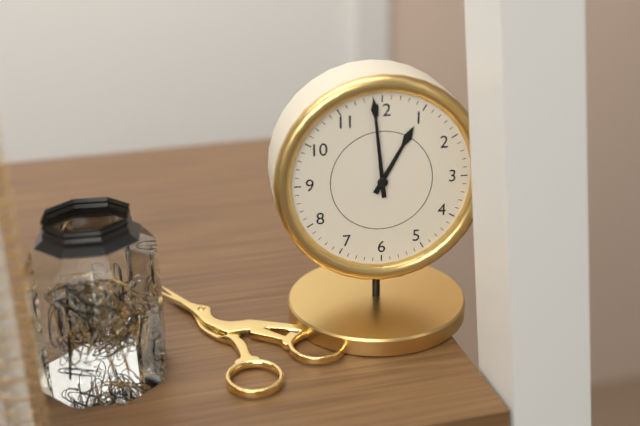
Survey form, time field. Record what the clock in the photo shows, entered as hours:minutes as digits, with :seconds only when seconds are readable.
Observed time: 12:59
